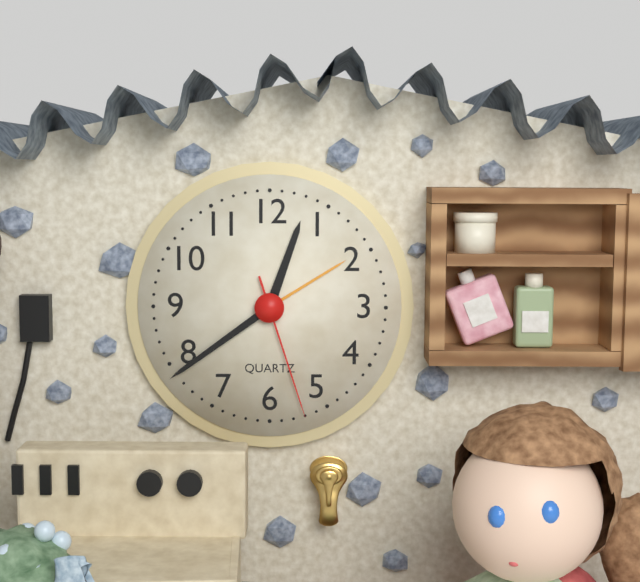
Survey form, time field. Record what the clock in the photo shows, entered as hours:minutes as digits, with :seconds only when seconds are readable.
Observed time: 12:39:27
